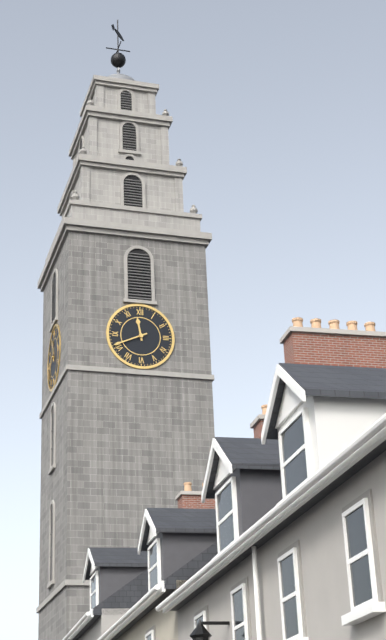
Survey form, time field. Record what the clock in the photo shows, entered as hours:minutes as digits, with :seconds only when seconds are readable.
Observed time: 11:41
